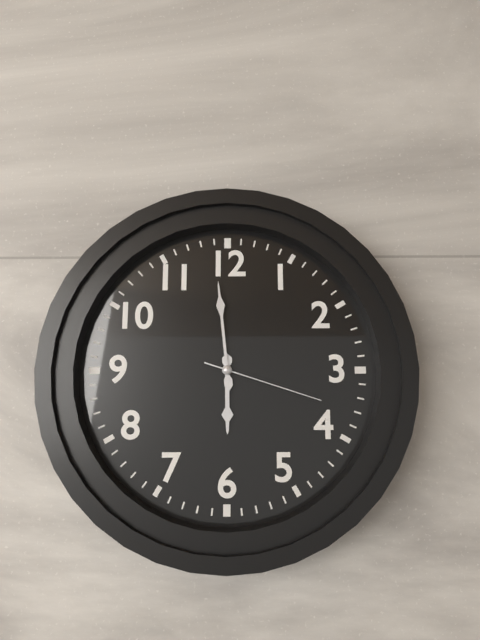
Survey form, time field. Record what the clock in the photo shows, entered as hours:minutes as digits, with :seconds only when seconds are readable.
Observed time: 5:59:18
